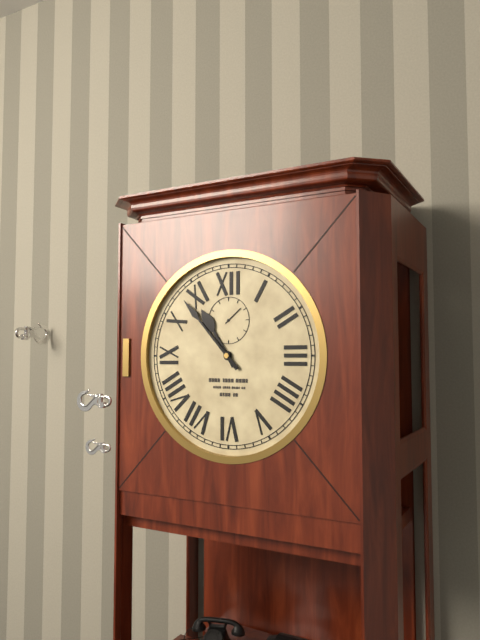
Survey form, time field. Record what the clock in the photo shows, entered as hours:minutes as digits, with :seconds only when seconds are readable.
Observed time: 10:53
